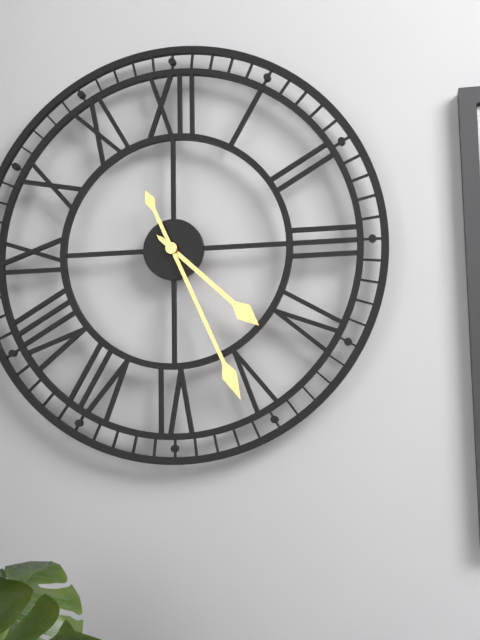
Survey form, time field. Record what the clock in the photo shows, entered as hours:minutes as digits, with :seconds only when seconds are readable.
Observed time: 4:26
